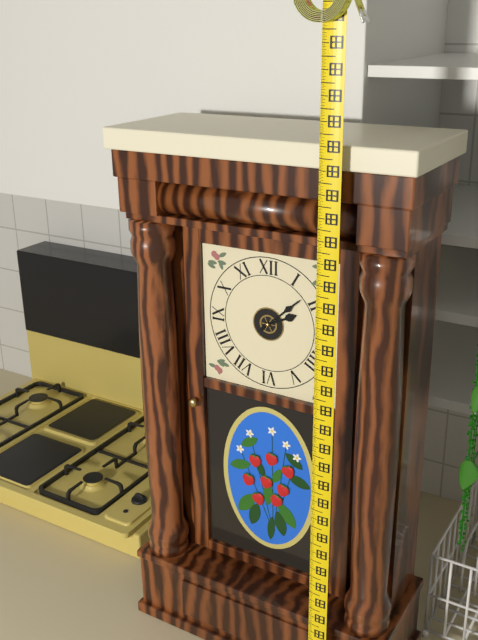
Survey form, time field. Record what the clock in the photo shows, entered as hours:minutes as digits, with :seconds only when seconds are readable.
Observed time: 2:08
